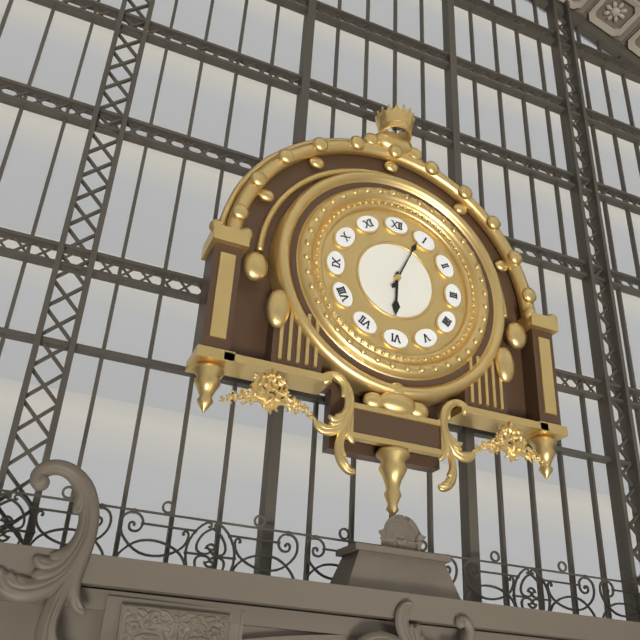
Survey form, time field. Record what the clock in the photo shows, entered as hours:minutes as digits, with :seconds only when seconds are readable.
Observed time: 6:04
